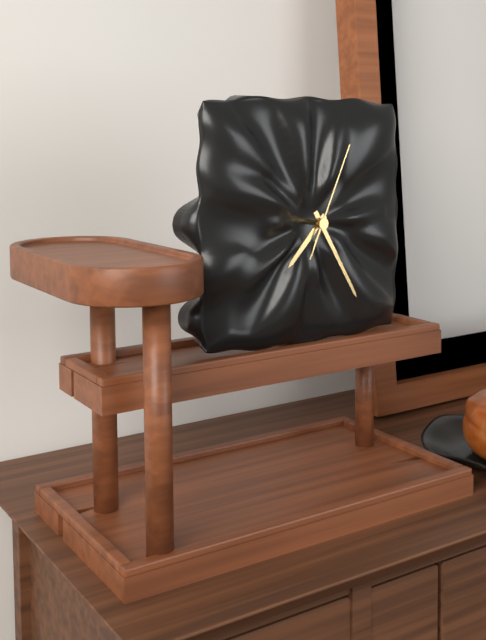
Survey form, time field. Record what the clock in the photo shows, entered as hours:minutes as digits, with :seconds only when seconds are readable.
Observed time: 7:25:04
